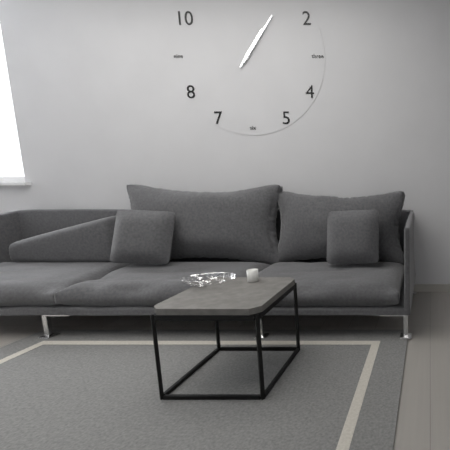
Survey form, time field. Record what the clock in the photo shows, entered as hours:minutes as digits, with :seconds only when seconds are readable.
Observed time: 1:06
